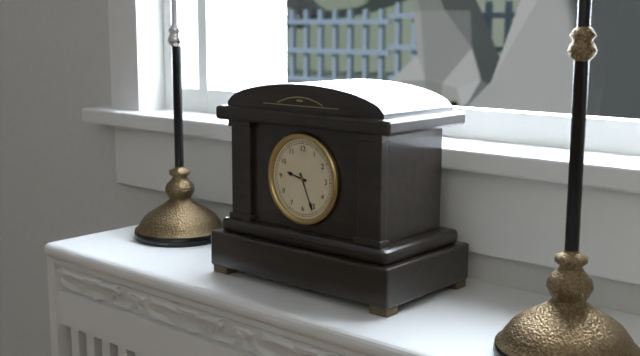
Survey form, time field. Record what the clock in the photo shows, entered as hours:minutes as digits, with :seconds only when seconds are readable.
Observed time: 9:26
